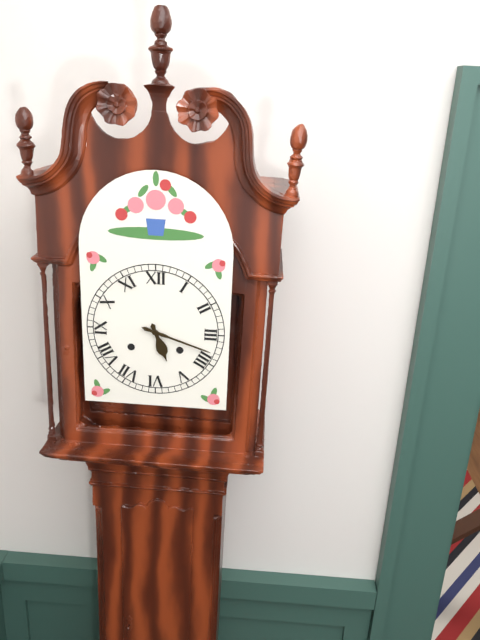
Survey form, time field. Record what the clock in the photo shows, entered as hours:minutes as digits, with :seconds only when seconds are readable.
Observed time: 5:18
